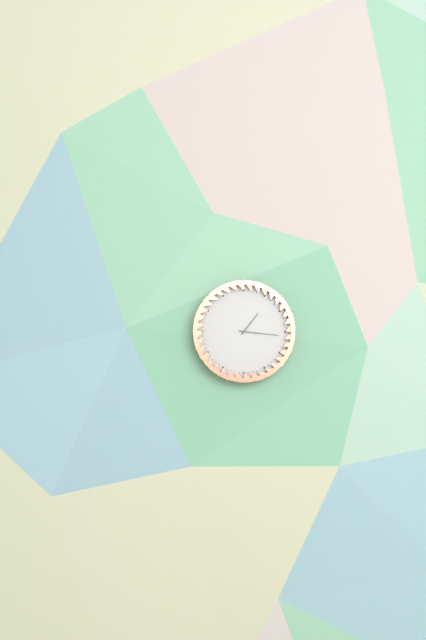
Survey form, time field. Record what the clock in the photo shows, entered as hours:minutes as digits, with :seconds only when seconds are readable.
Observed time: 1:16
